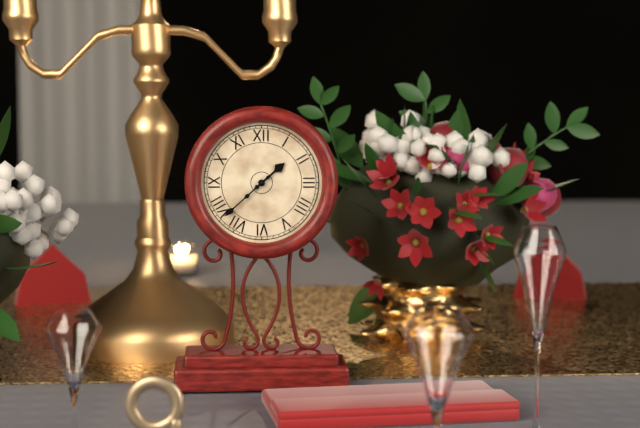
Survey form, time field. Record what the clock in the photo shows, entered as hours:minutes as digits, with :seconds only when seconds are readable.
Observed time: 1:38
